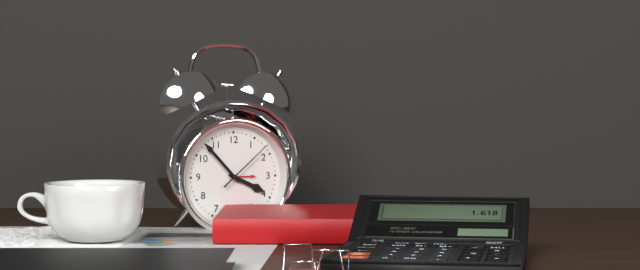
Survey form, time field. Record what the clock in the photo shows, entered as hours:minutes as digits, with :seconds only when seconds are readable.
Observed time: 3:53:08
